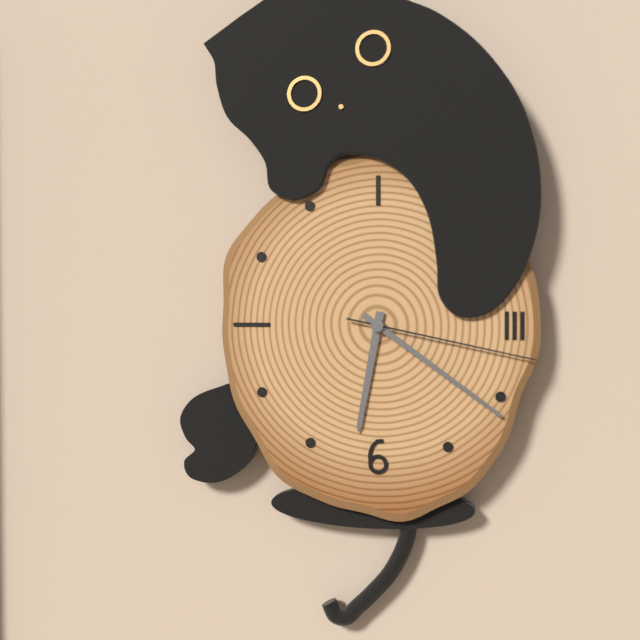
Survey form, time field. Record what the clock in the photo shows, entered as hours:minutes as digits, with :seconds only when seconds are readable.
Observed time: 6:21:17
